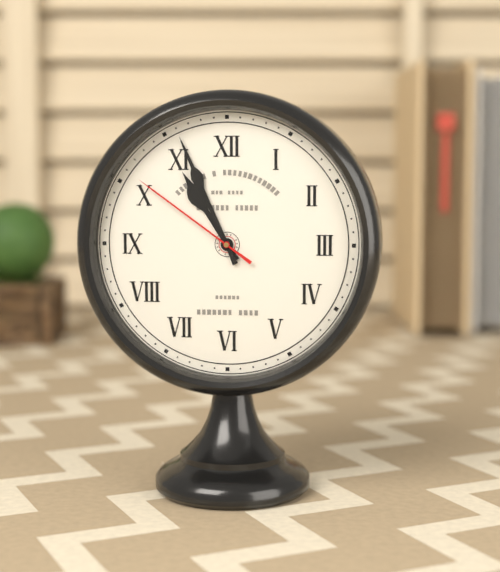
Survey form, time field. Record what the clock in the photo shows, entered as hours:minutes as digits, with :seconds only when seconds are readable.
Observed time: 10:56:51
